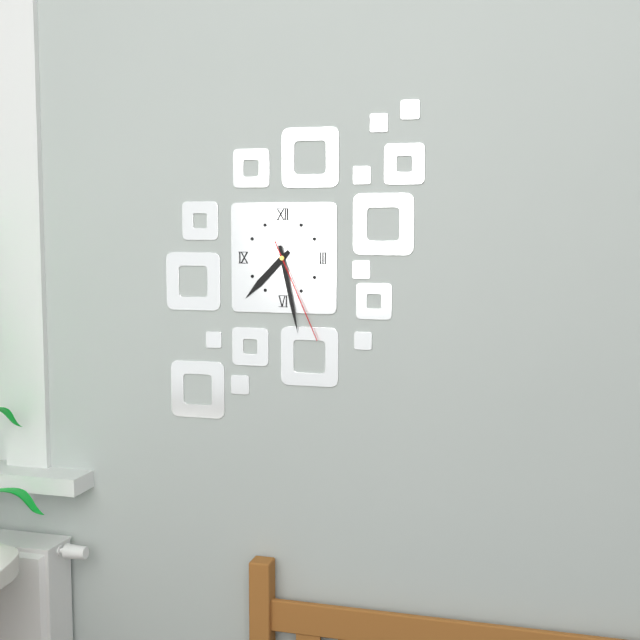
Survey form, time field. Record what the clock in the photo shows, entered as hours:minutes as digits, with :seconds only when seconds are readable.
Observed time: 7:28:26
